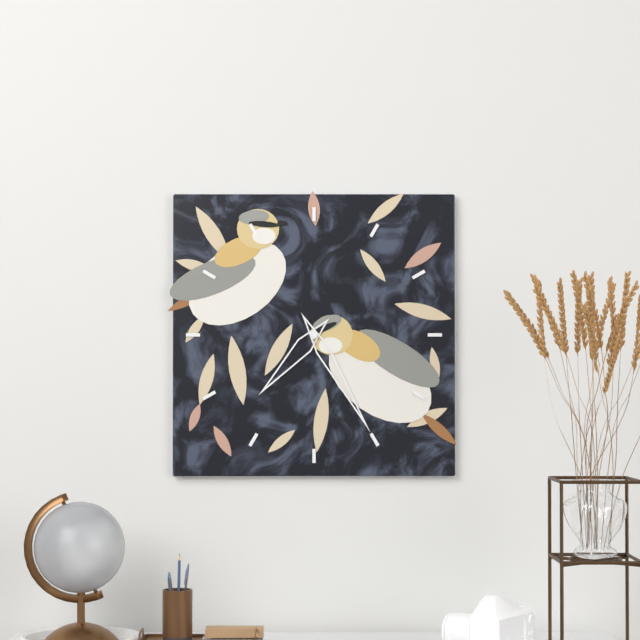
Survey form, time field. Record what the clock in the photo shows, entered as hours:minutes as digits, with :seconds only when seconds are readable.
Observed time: 7:25
